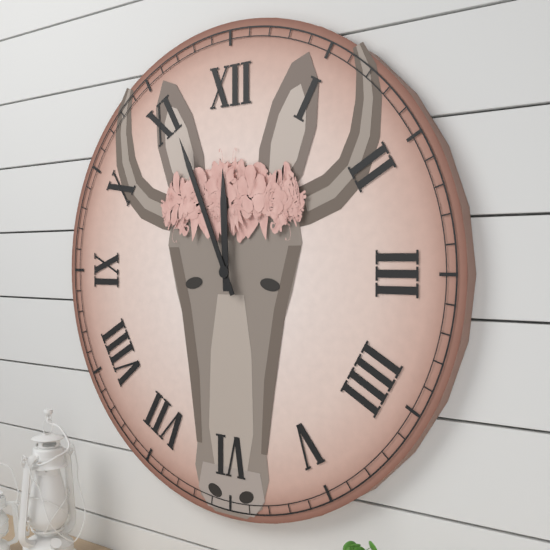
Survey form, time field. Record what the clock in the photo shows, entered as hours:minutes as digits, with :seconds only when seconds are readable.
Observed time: 11:56
